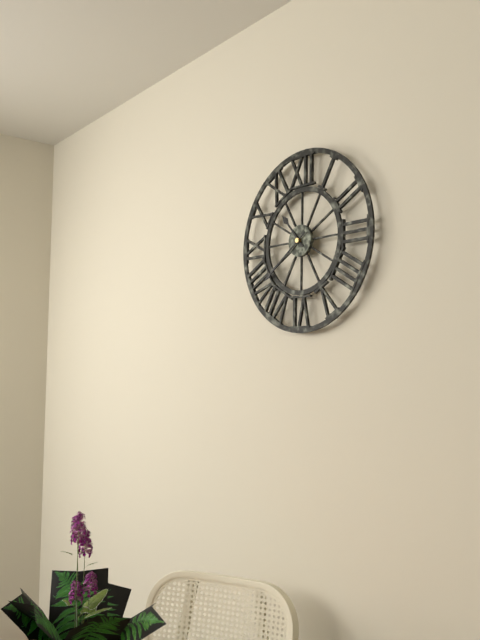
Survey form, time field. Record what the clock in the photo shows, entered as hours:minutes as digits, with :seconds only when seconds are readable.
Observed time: 10:39
